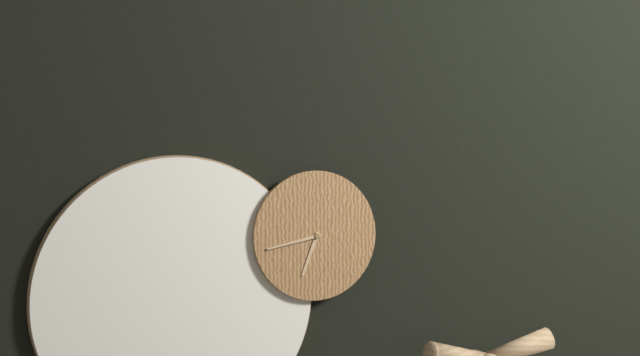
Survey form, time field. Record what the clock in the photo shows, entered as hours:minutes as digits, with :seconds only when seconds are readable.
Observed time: 6:43
